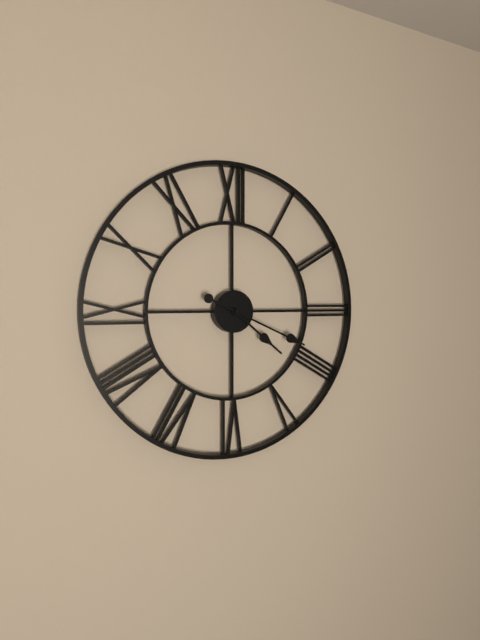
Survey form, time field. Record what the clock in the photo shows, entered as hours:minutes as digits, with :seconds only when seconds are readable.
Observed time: 4:19
